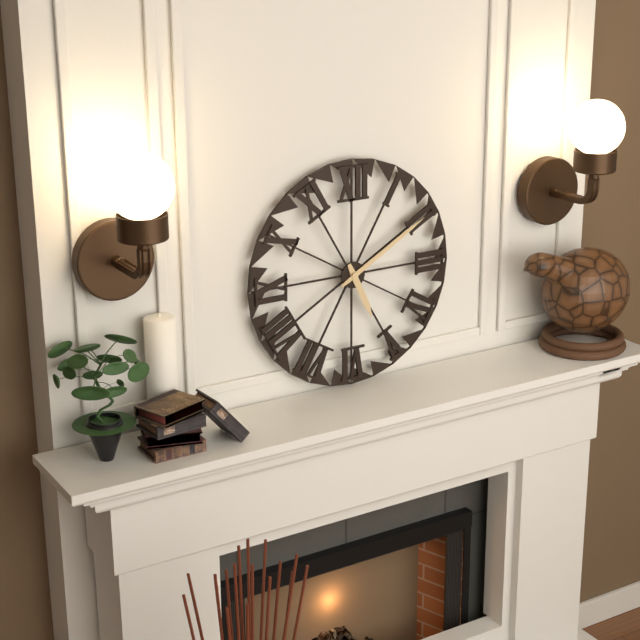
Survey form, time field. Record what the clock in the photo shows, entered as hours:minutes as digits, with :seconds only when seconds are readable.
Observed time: 5:10
